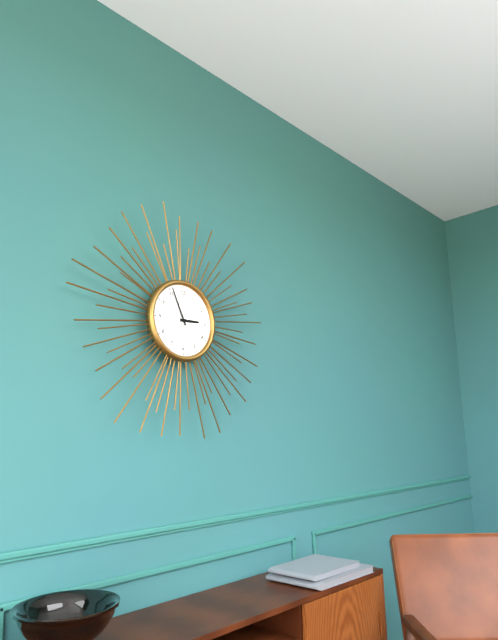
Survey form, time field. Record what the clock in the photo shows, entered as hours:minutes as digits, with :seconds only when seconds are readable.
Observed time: 2:56
